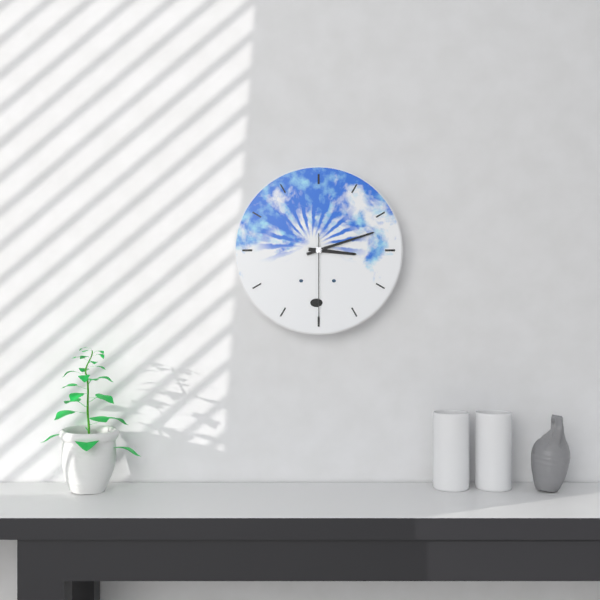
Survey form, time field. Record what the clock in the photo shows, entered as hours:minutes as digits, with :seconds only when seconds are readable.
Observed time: 3:12:30
